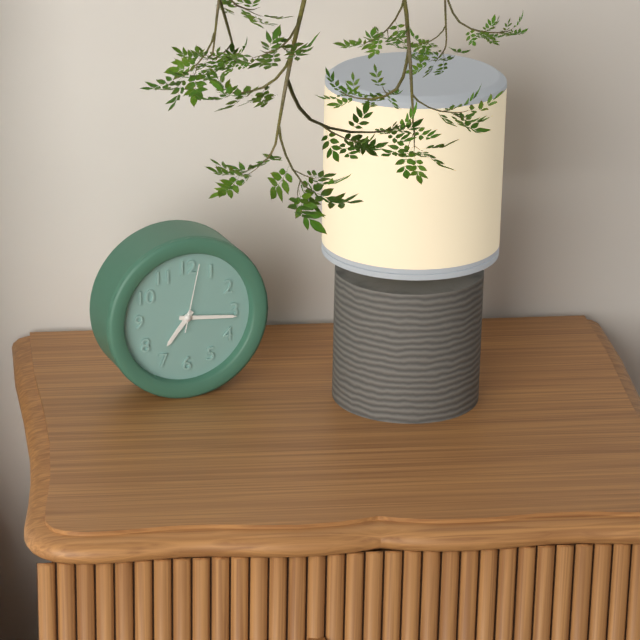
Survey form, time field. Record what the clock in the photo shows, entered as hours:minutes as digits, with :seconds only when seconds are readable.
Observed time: 7:16:02
